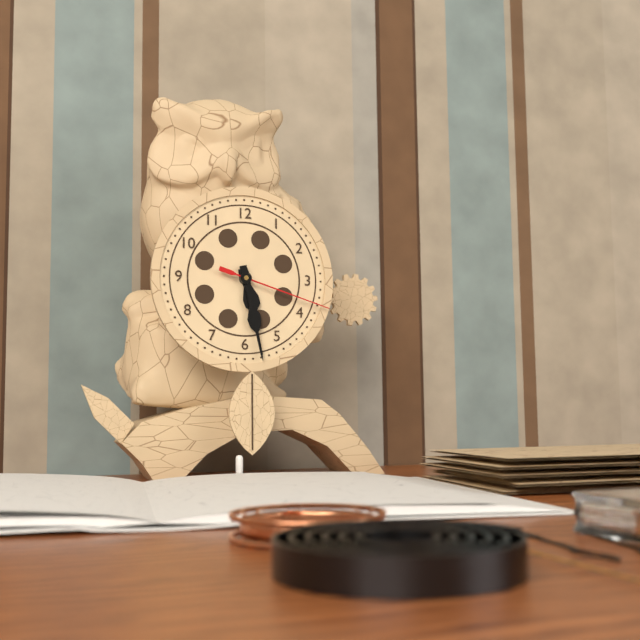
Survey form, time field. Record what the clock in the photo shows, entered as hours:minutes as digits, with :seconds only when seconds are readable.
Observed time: 5:28:18
